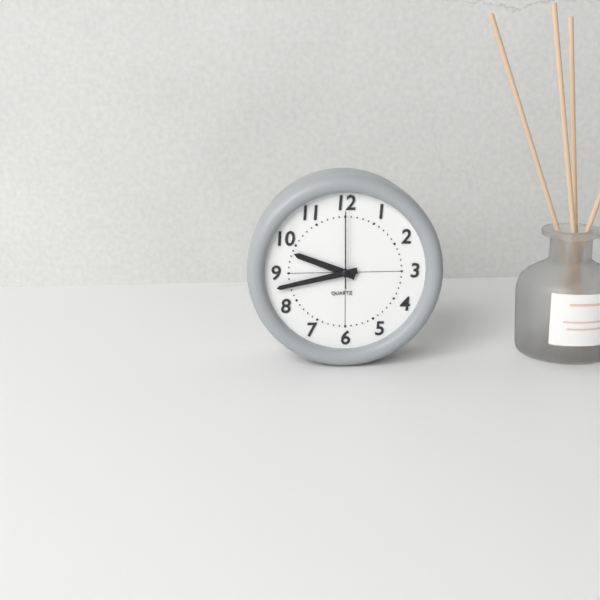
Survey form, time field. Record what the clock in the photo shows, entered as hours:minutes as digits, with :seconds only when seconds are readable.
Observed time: 9:43:00
